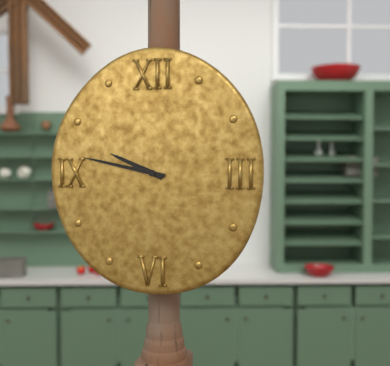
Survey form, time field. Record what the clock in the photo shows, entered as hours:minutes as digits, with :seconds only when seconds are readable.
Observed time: 9:47
